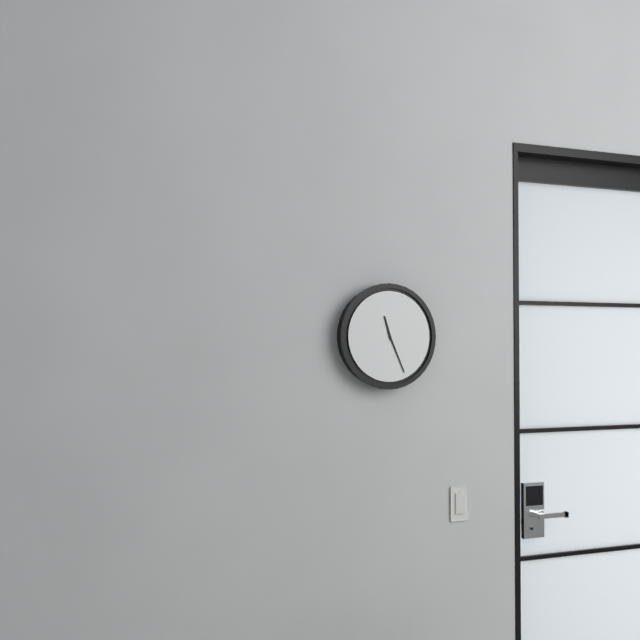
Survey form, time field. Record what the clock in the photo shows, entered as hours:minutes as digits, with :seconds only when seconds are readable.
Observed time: 11:26
